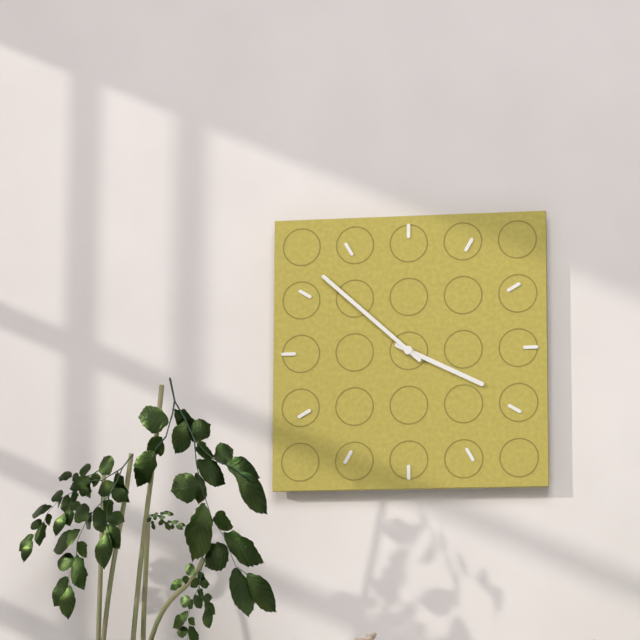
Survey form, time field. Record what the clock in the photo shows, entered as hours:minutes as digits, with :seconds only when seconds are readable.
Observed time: 3:52
